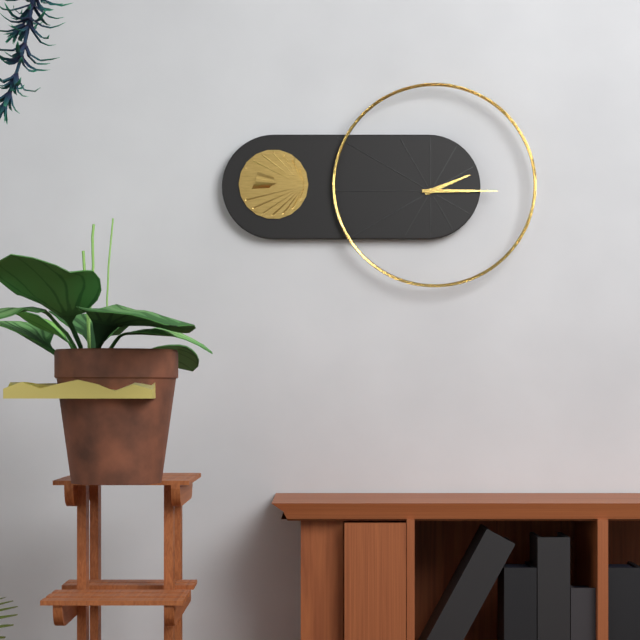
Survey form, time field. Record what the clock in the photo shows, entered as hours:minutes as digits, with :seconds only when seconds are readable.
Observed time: 2:15
